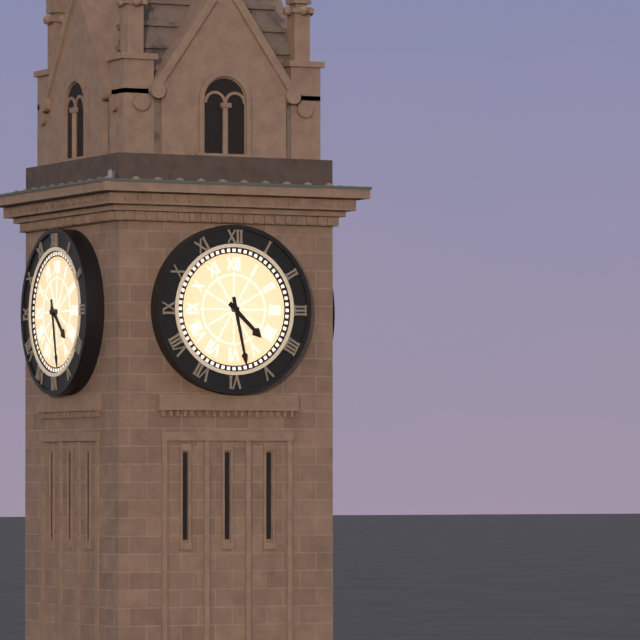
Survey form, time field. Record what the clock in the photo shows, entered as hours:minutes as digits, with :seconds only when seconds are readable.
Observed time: 4:28
